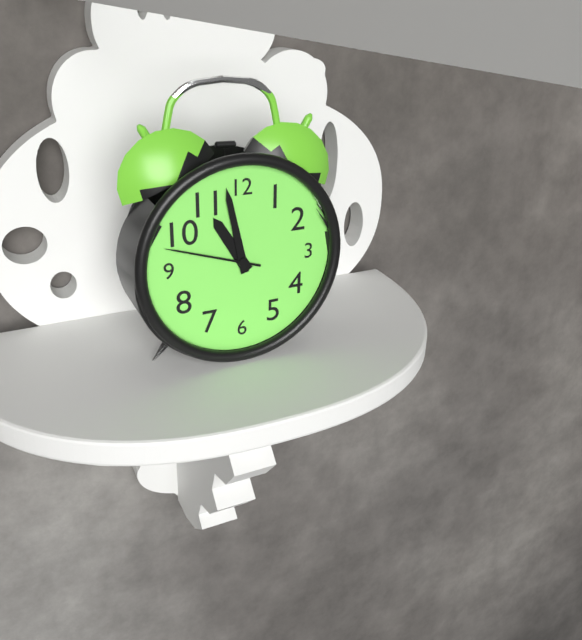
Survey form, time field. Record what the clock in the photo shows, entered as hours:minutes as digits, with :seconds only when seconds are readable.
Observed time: 10:58:48
